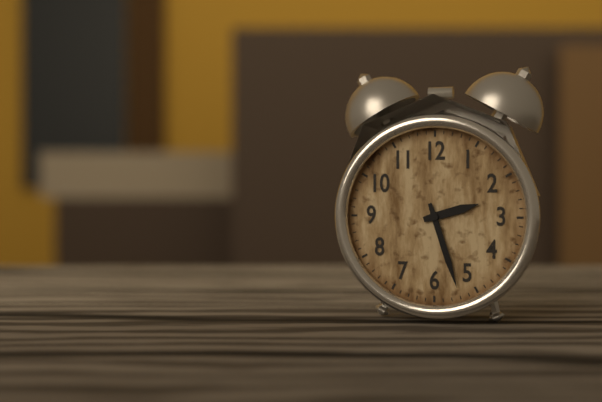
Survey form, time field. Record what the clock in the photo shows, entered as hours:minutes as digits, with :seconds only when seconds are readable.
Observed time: 2:27
